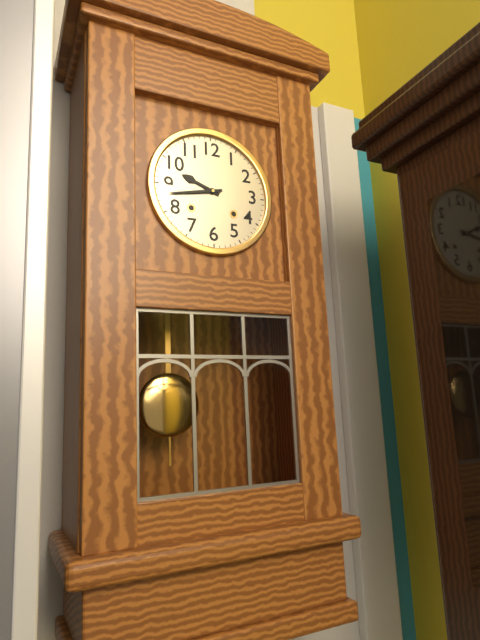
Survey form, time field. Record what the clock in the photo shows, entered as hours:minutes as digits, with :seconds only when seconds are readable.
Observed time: 9:43
